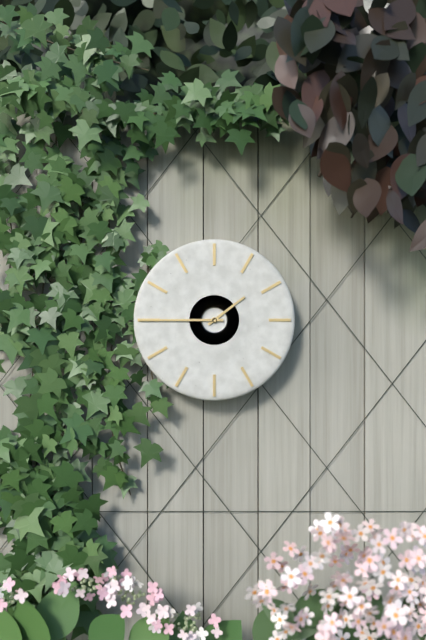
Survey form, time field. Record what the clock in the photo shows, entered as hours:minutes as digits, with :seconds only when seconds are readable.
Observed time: 1:45
